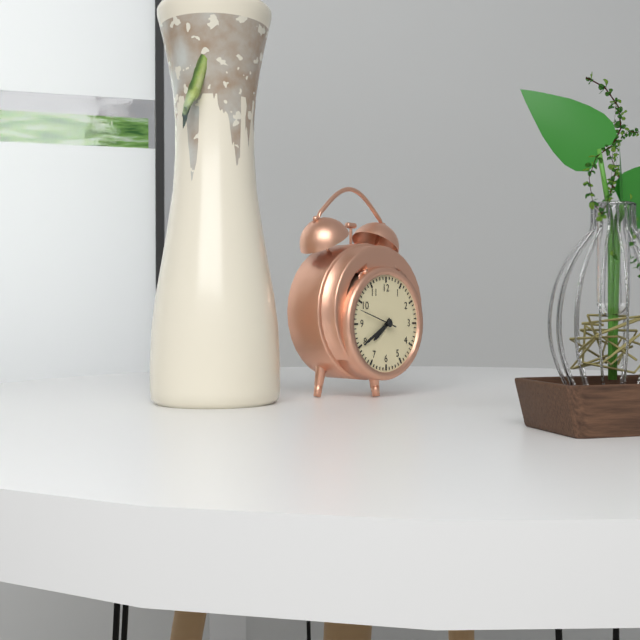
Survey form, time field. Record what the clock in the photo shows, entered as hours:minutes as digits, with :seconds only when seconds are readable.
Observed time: 7:40
